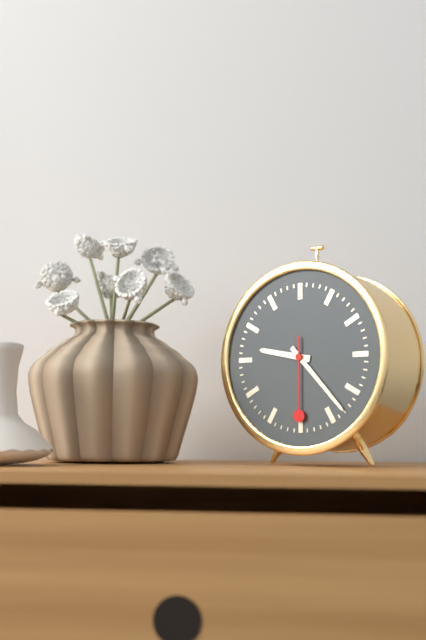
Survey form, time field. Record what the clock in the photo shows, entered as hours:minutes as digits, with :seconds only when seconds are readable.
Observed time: 9:23:30
